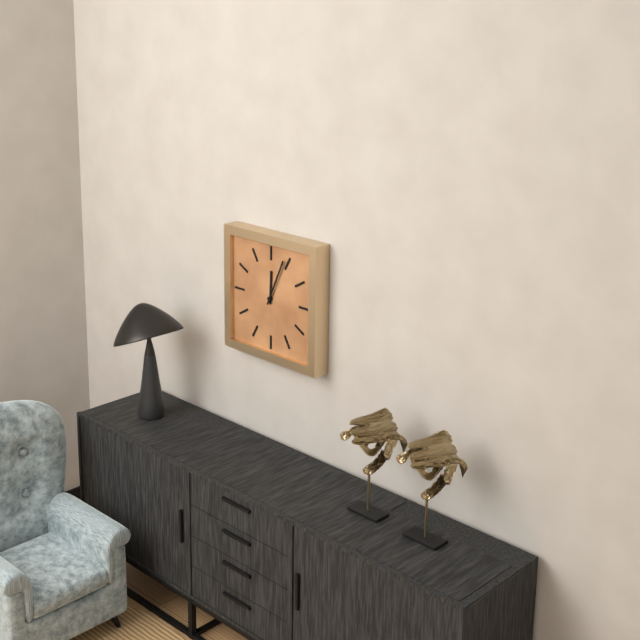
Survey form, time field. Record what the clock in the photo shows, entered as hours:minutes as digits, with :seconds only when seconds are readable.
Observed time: 12:04
